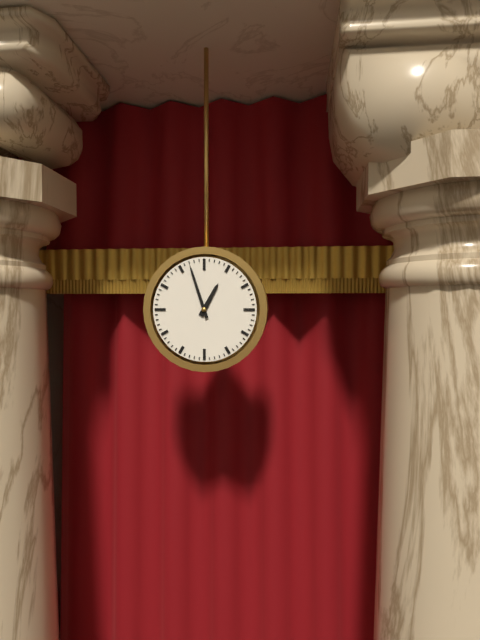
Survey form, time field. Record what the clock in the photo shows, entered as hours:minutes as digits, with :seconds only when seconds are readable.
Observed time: 12:57
